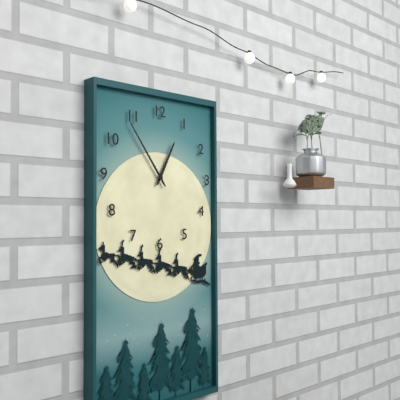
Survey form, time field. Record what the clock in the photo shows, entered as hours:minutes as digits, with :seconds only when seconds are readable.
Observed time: 12:54
